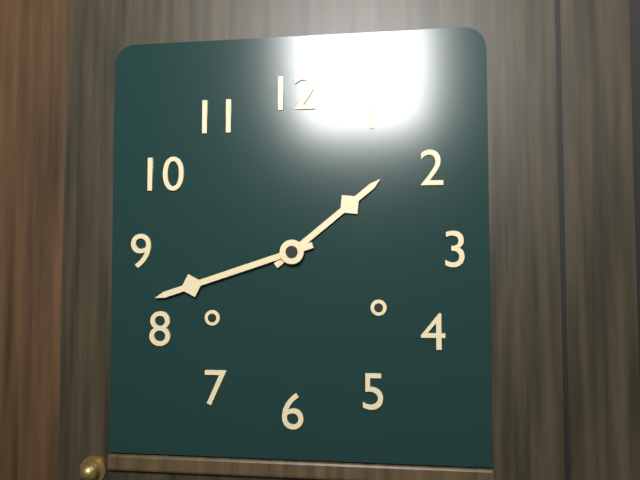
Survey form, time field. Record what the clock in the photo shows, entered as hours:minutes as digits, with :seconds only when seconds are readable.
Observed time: 1:42
